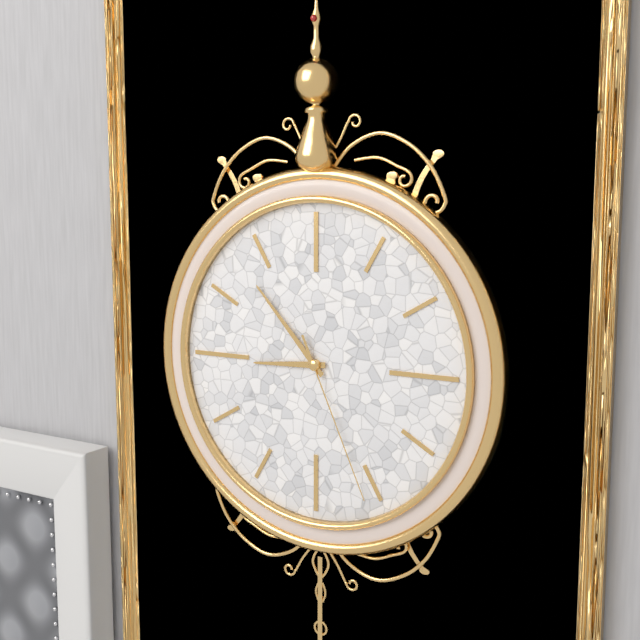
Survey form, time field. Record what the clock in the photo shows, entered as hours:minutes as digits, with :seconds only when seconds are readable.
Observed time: 8:53:26
